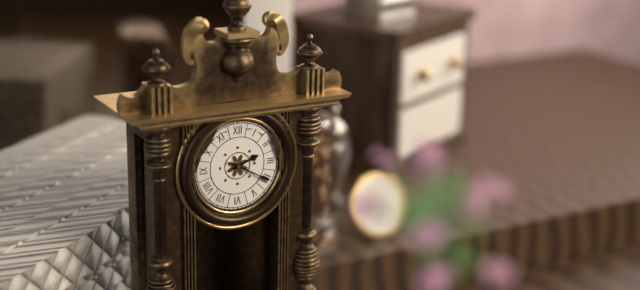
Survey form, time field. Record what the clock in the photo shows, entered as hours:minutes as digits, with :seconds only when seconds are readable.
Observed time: 2:20
